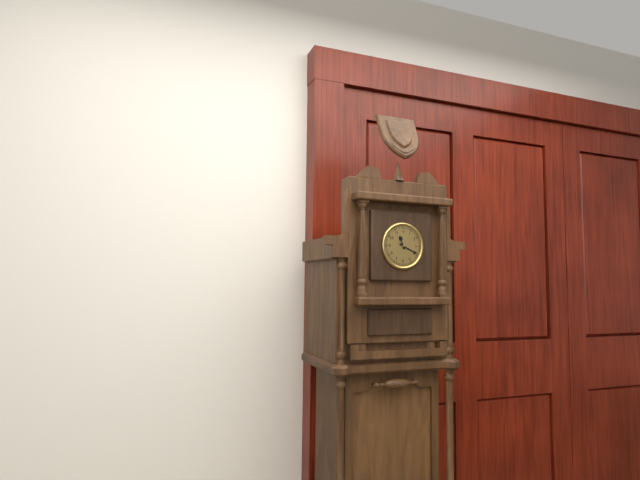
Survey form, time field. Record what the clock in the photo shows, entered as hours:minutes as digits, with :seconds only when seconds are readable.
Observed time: 11:19
